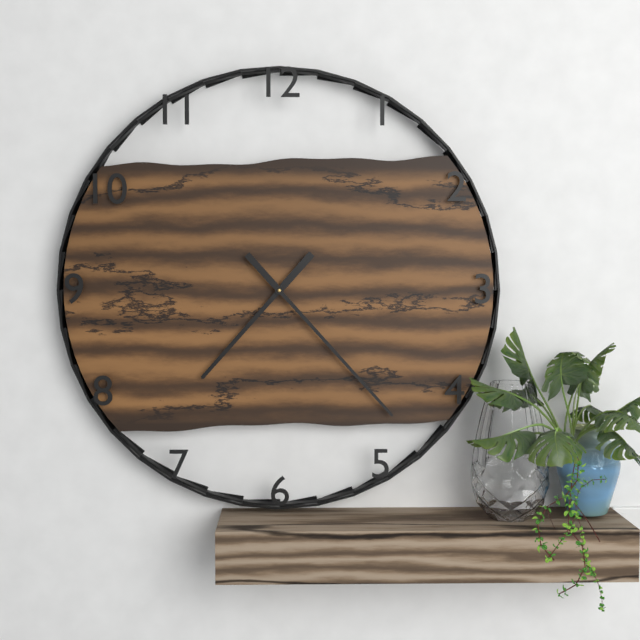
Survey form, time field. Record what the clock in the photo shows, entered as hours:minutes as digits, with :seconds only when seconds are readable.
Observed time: 7:23
